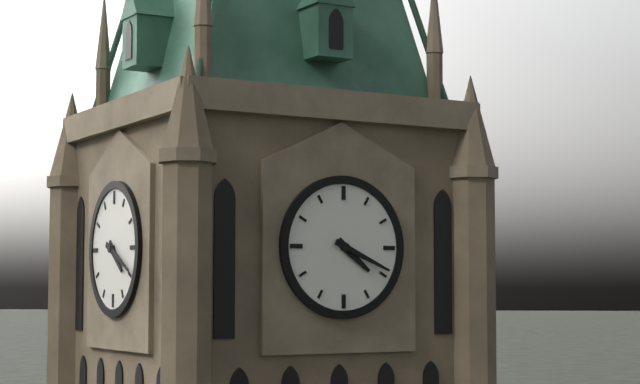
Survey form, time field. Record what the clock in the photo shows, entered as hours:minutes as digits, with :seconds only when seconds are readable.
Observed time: 4:19
